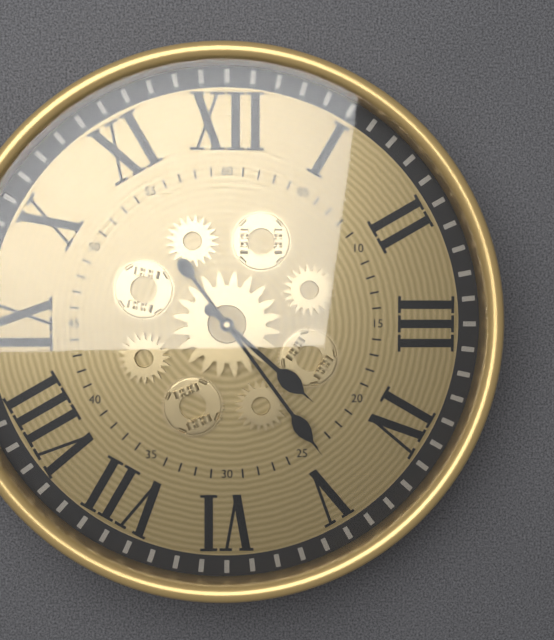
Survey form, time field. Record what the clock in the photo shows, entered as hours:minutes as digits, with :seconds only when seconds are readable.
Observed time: 4:24
